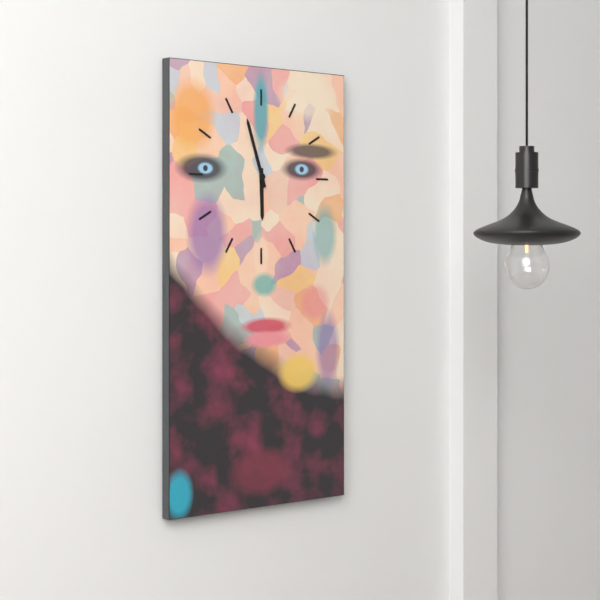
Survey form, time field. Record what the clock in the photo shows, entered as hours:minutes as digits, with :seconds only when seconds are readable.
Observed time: 5:57
